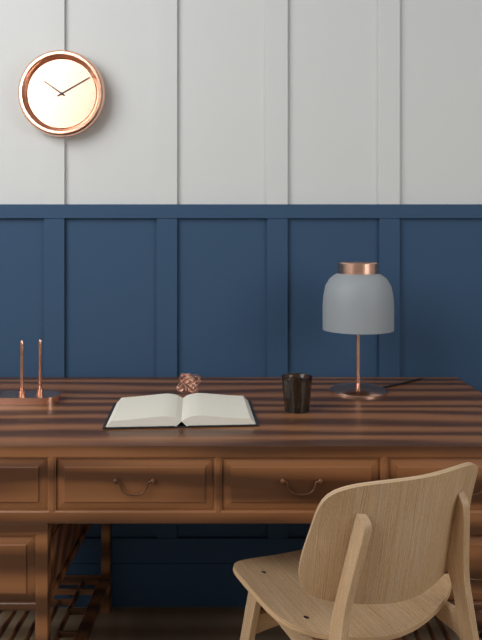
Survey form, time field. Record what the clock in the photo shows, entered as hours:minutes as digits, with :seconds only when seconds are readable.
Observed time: 10:10
